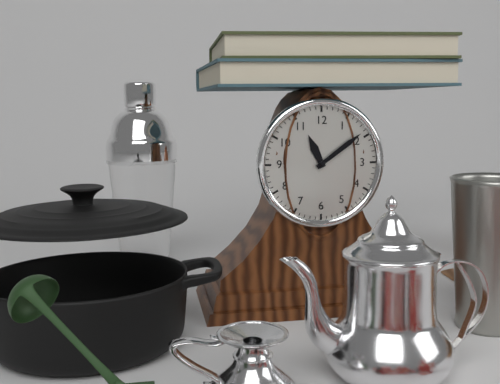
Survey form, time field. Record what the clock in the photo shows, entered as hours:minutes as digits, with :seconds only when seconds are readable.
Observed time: 11:09
